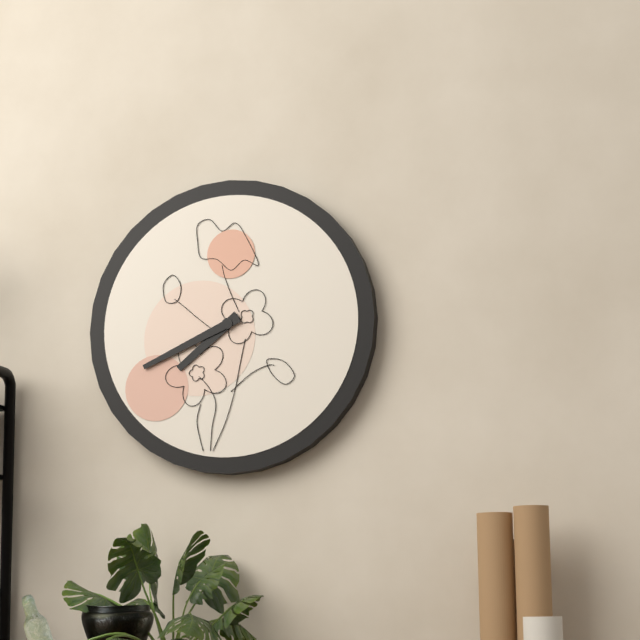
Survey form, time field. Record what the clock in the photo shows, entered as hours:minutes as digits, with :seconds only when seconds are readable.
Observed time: 7:41
